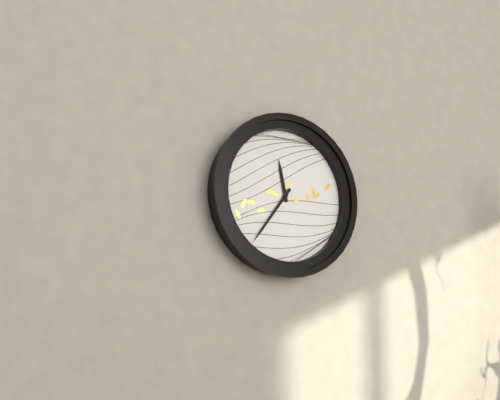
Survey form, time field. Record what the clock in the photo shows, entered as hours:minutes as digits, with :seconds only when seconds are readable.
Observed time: 11:36
